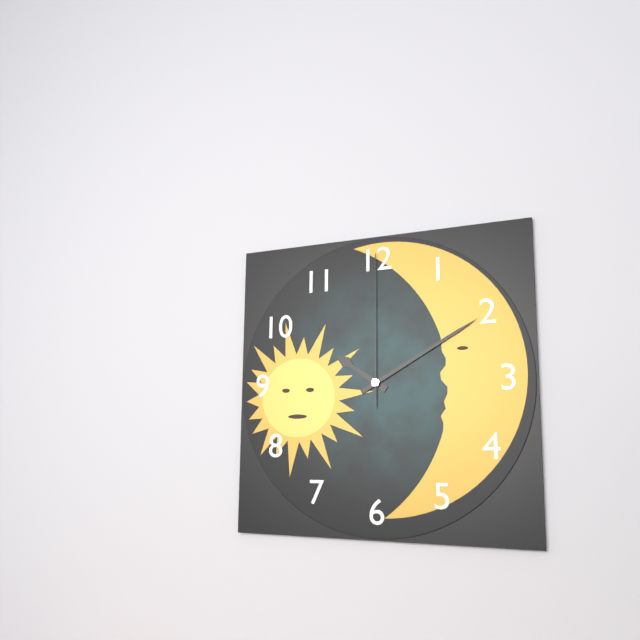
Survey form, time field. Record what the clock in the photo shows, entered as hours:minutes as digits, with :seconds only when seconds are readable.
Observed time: 10:10:00
